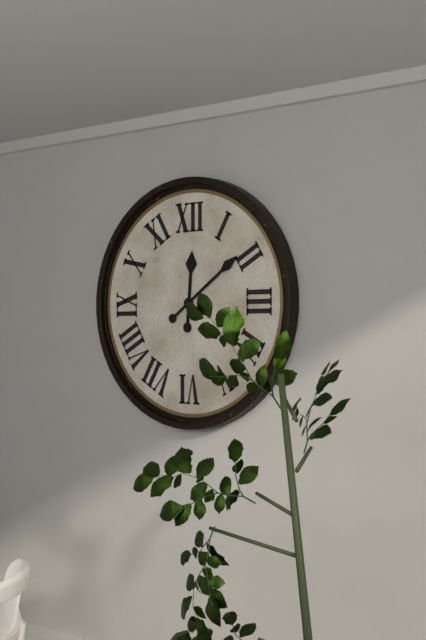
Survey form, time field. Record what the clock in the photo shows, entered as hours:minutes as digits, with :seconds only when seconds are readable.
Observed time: 12:09
